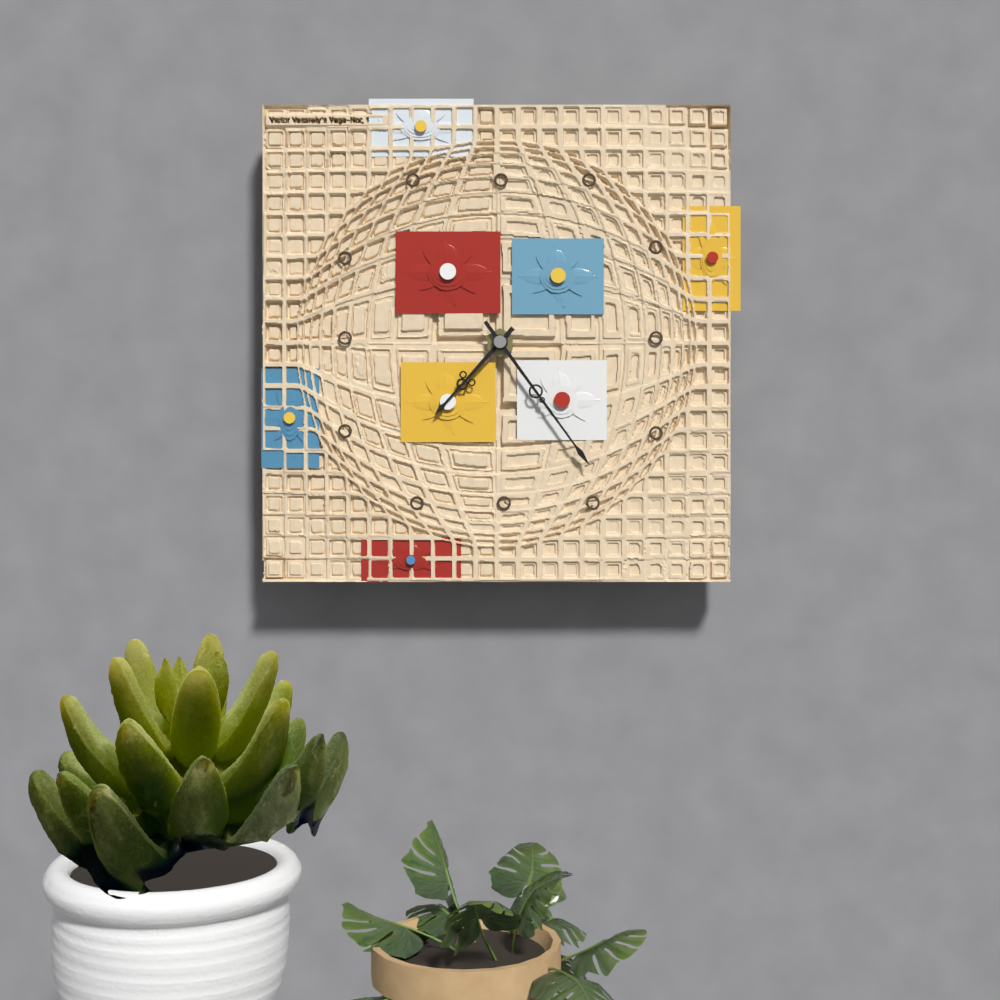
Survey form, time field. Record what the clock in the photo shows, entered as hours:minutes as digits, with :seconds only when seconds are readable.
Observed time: 7:24
